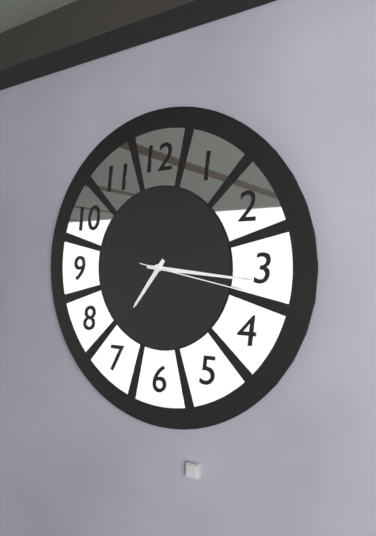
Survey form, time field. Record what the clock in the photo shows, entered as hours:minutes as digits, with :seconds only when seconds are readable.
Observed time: 7:16:17
